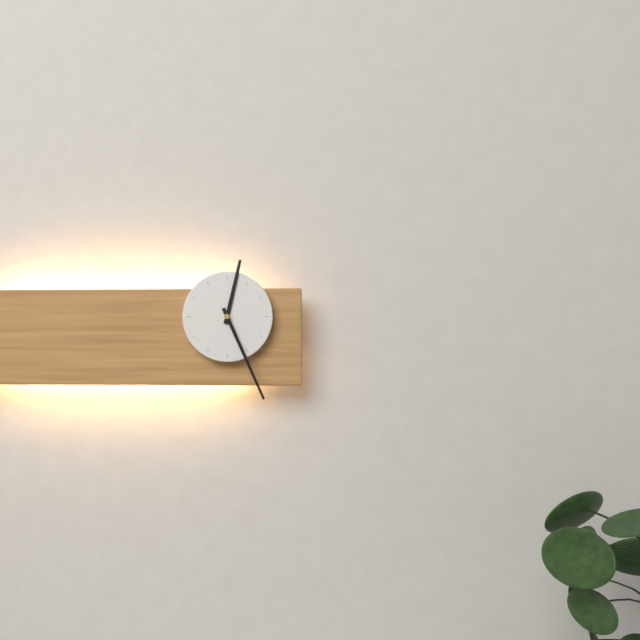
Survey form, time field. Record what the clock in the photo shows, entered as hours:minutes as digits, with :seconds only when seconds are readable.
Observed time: 12:26
